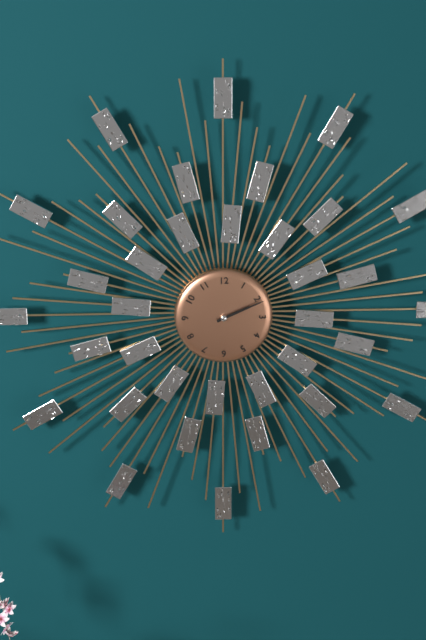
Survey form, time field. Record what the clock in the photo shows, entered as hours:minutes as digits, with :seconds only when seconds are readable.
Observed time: 2:11
